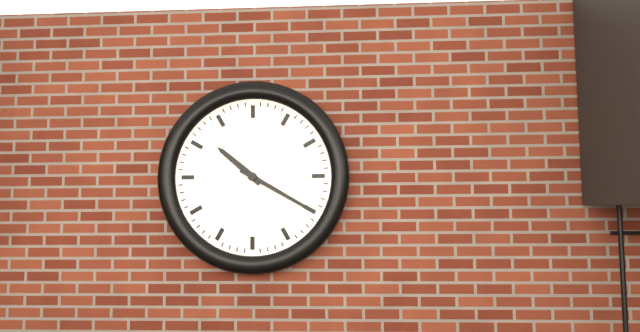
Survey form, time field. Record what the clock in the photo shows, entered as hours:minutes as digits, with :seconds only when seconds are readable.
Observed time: 10:20
